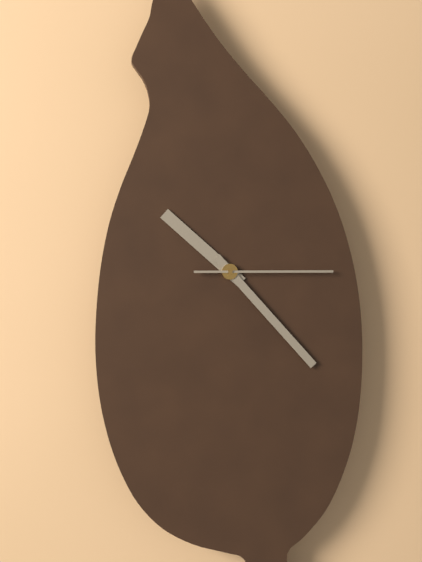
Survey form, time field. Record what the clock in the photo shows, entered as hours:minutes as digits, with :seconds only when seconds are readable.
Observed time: 10:23:15
